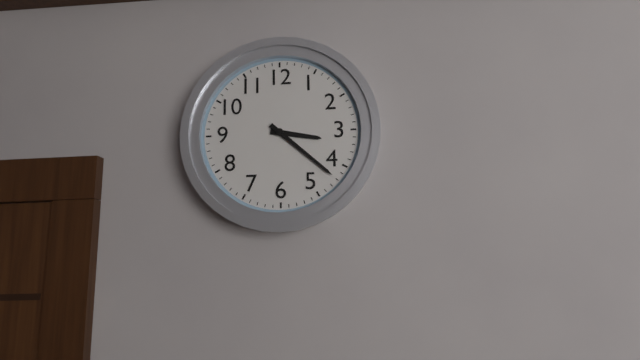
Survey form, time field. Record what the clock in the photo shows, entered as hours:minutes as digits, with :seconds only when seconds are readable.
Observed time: 3:22
